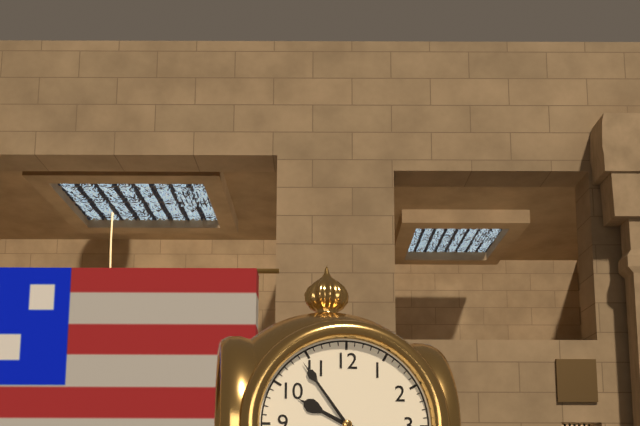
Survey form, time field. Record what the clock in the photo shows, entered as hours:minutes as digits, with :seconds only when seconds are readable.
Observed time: 9:54
